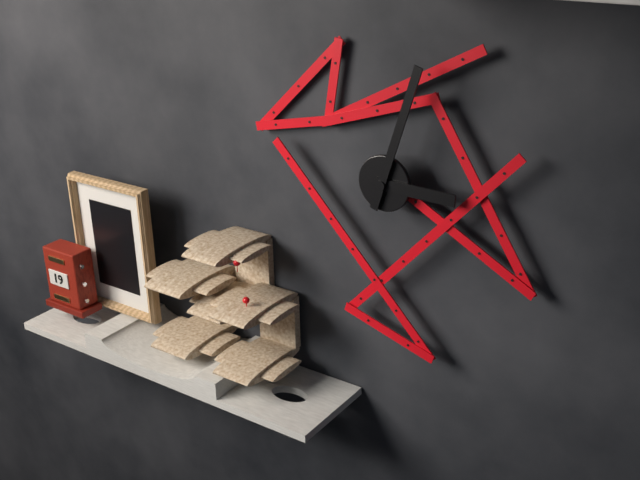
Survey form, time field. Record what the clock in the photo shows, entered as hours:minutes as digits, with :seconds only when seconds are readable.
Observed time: 3:03
